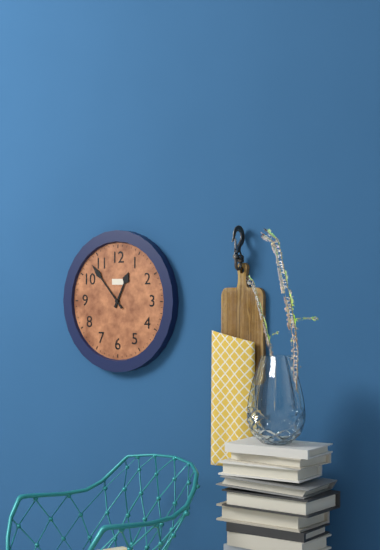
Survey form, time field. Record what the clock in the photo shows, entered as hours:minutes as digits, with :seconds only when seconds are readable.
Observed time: 12:53
